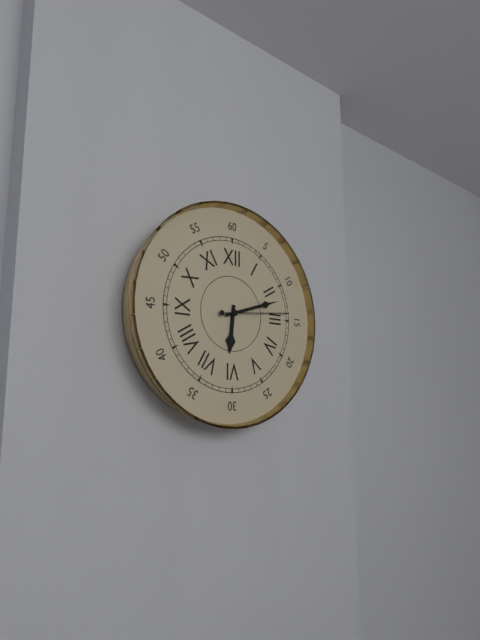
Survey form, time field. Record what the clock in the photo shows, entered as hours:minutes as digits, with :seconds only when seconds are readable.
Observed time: 6:12:14
